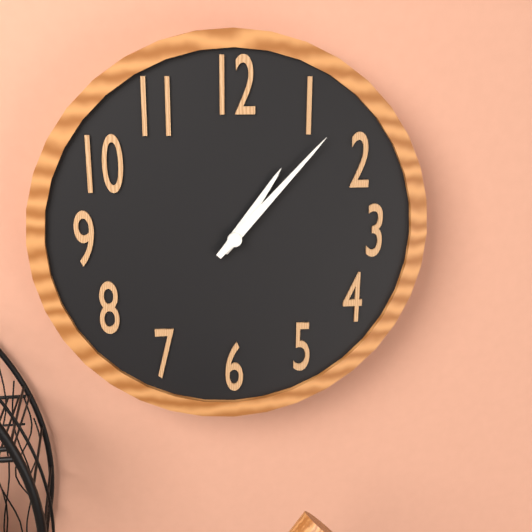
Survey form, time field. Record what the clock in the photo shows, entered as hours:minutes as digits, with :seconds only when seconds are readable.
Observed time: 1:07
